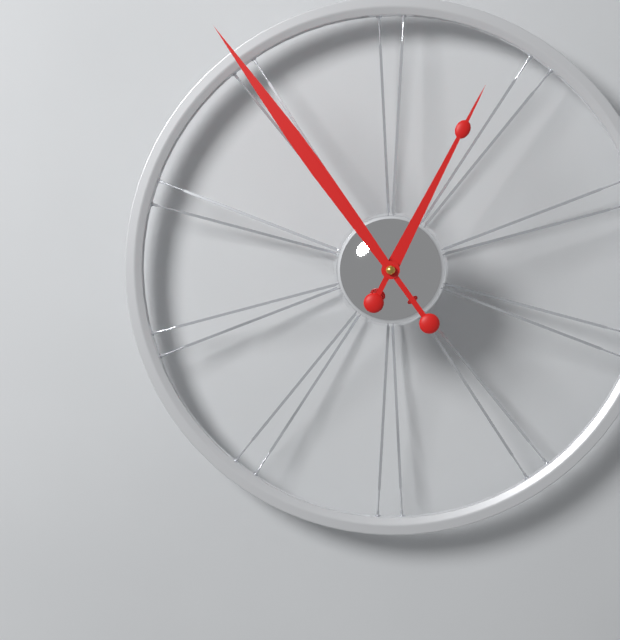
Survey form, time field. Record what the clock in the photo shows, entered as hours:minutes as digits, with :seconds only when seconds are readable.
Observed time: 12:54
